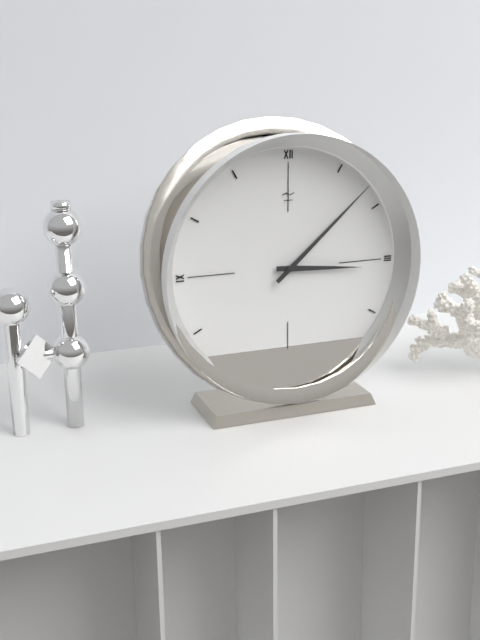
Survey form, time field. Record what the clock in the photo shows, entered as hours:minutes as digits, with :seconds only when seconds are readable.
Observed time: 3:08
